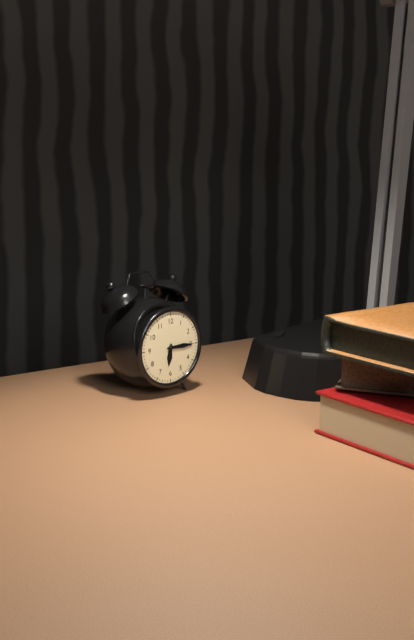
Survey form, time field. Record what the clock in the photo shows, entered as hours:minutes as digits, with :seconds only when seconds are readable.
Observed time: 6:15
